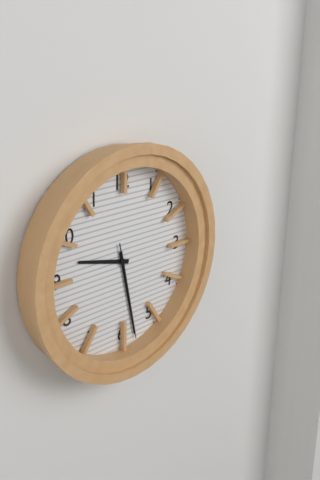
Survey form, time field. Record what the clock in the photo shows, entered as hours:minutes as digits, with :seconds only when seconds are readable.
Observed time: 9:28:28
